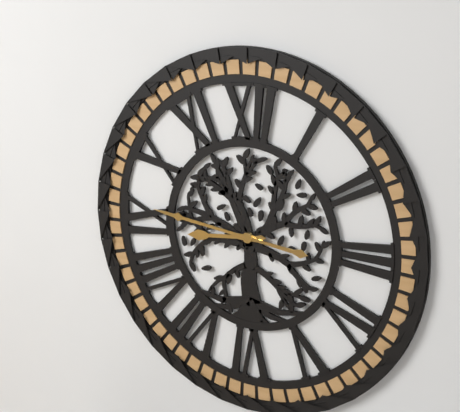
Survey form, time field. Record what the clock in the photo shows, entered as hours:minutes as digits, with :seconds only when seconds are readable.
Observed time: 8:46
